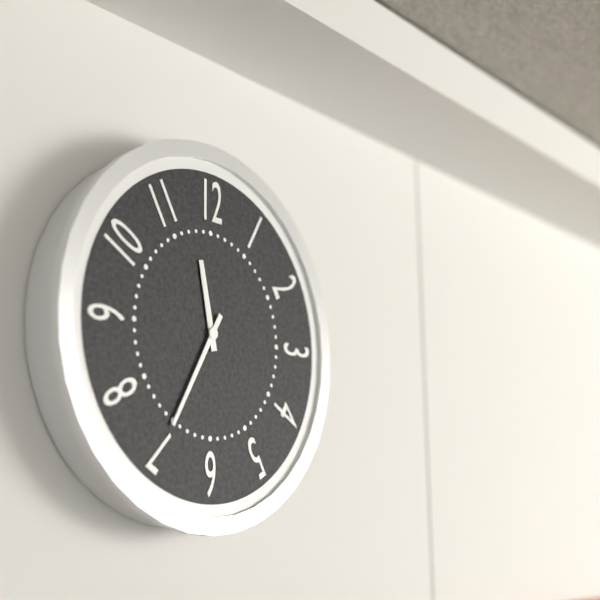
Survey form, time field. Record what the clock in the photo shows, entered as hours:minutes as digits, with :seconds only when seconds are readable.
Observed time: 11:35
